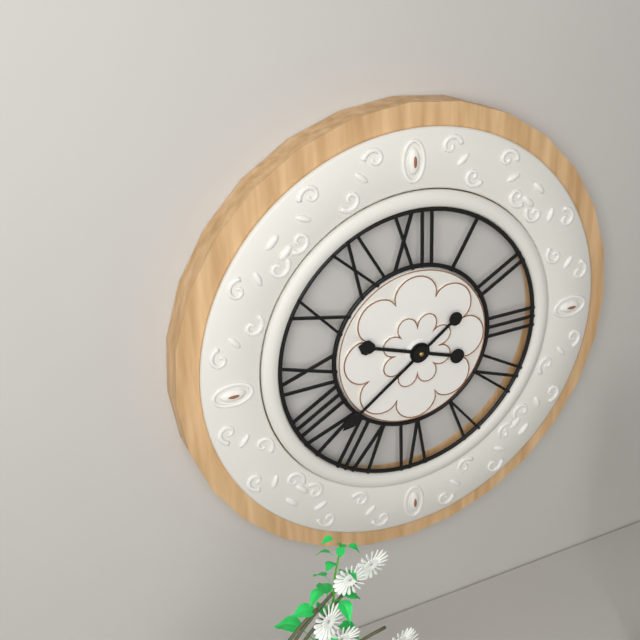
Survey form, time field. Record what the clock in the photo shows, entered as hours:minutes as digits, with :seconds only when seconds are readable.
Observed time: 9:39
